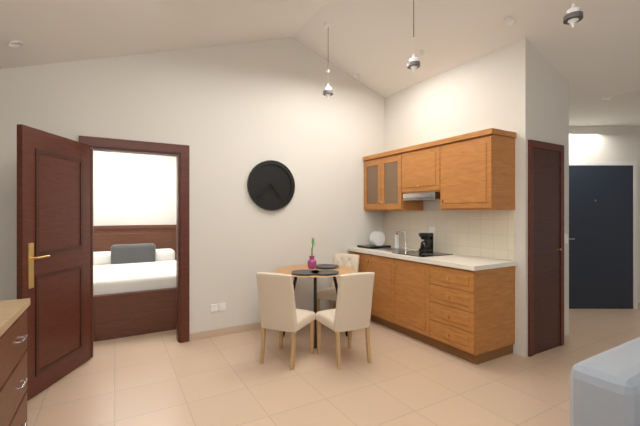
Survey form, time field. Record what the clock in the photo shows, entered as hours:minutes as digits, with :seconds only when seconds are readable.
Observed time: 4:39
